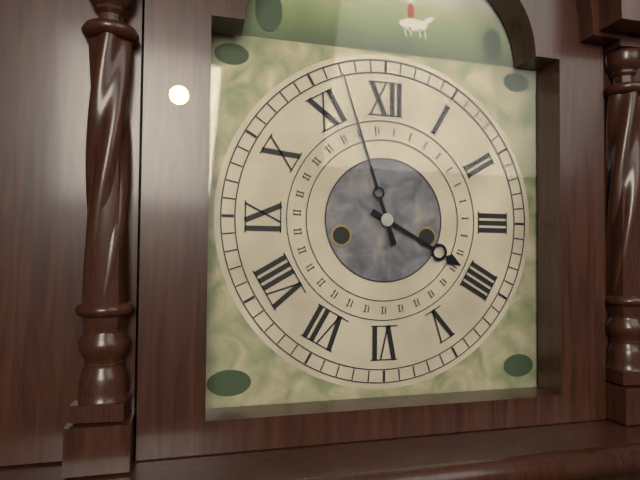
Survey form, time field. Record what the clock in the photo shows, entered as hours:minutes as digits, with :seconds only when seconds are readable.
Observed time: 3:57
